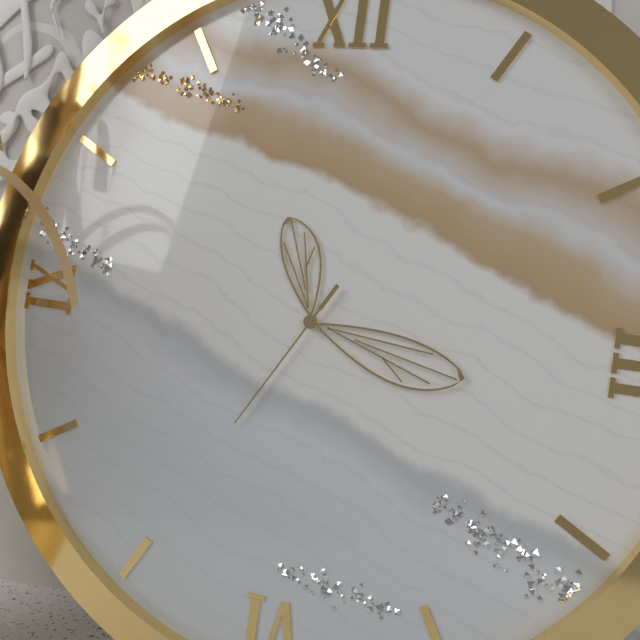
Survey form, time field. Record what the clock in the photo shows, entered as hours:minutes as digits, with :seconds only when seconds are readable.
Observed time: 11:17:35
